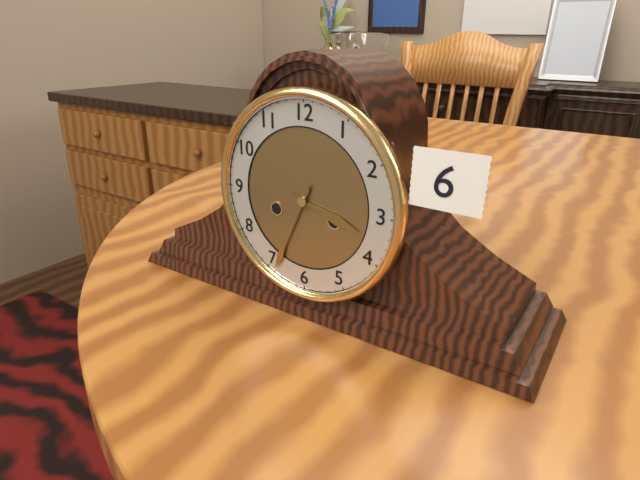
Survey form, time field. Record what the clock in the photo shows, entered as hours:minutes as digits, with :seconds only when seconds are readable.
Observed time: 3:34
